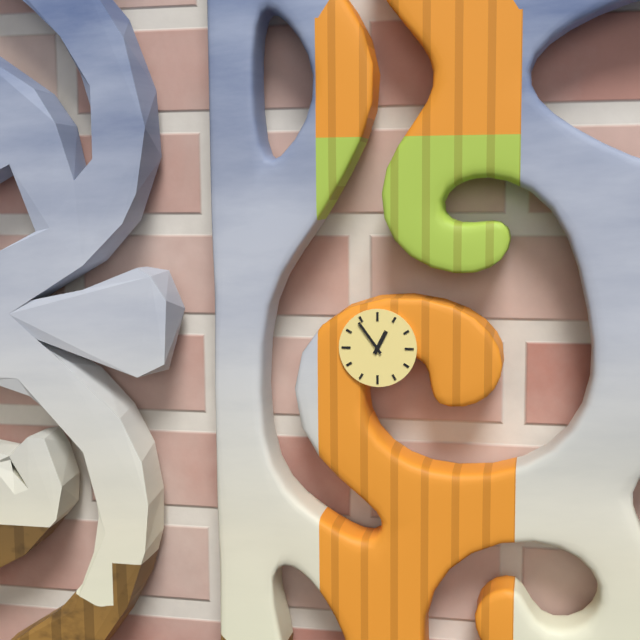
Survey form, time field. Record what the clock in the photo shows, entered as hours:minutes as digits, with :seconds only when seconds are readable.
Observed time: 12:54
